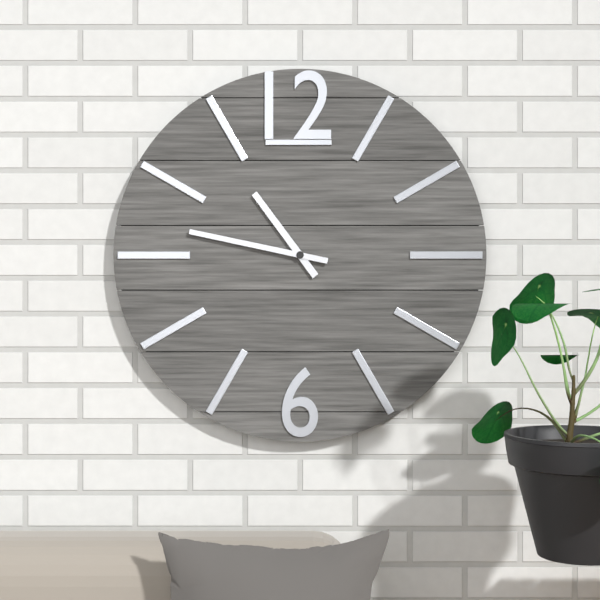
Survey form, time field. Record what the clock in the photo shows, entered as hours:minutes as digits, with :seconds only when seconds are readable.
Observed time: 10:47
